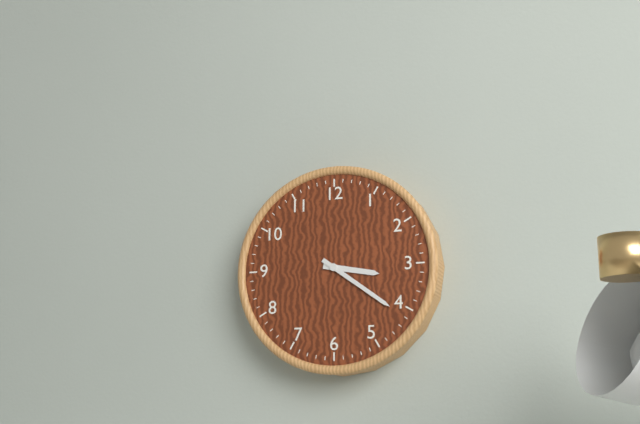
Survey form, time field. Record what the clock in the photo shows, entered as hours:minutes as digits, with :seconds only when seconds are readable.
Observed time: 3:21
